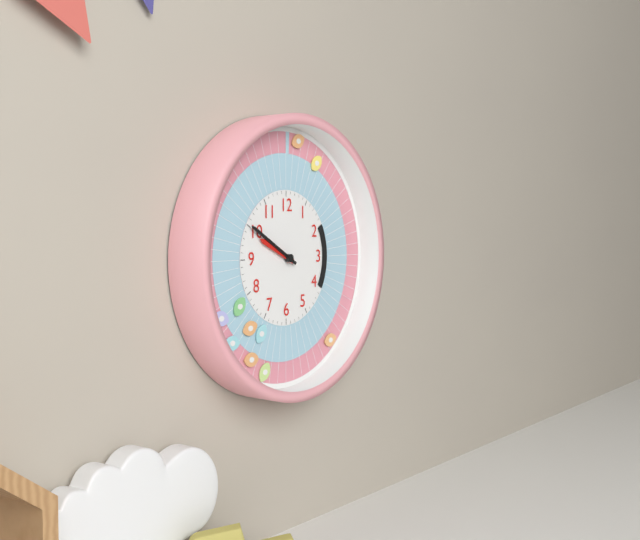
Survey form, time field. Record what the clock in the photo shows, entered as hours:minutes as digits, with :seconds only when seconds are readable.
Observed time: 9:50
